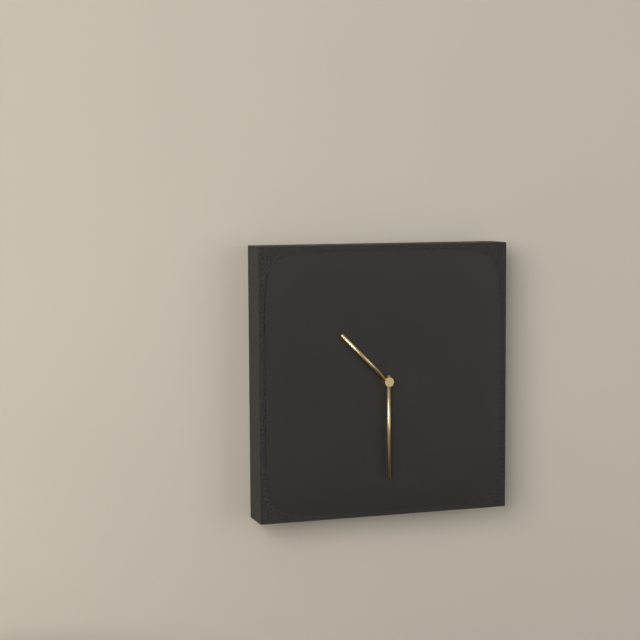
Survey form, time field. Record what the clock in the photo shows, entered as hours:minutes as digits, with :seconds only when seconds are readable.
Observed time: 10:30
